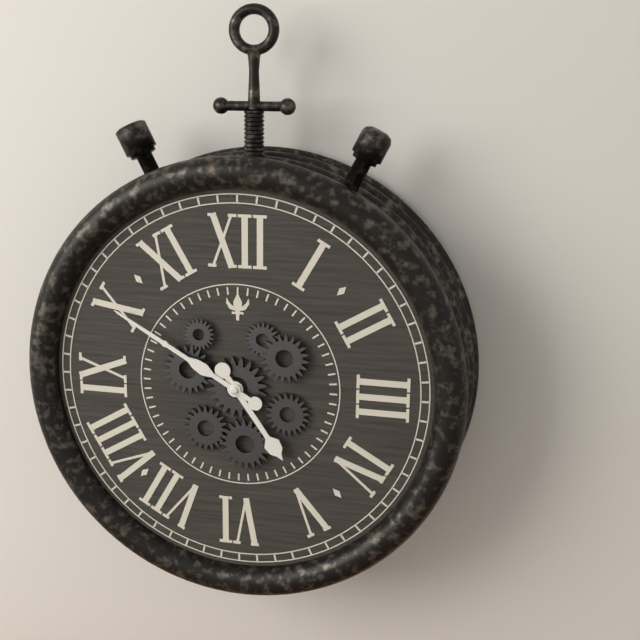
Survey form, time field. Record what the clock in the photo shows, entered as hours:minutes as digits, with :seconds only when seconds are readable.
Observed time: 4:50
